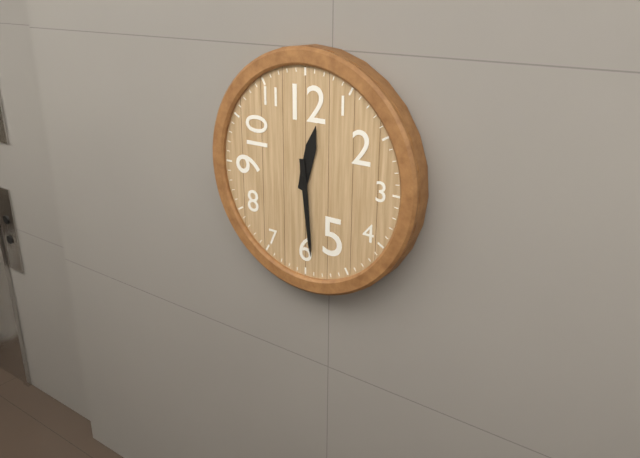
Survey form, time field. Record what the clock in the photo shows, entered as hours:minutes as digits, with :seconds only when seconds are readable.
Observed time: 12:29
